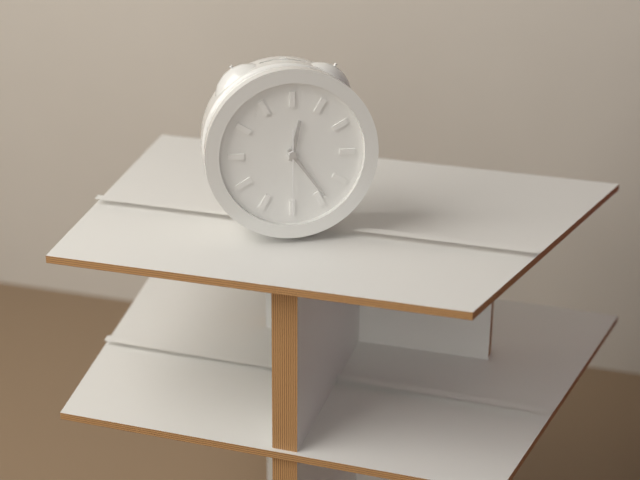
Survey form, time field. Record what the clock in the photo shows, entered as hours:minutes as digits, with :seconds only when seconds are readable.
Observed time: 12:24:30
